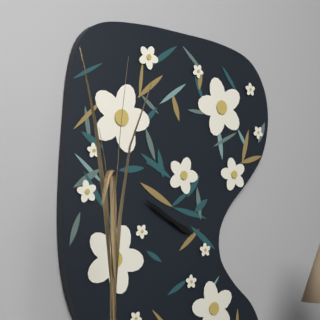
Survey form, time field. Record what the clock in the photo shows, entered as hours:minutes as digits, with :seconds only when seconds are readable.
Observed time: 3:50
